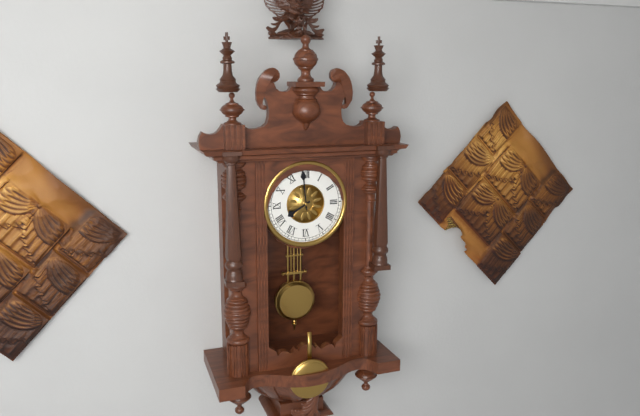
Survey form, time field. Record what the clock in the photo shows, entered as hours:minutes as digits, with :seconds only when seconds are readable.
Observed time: 7:59
